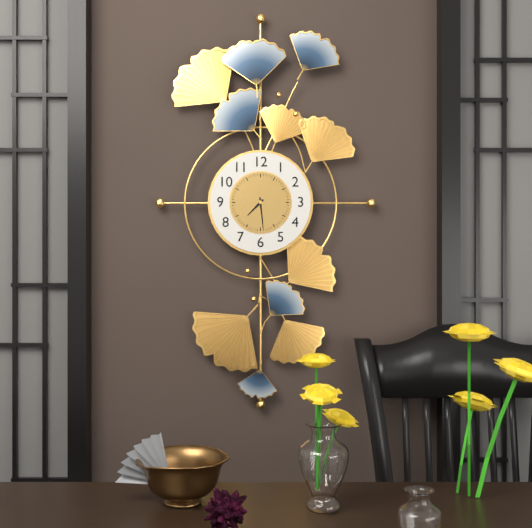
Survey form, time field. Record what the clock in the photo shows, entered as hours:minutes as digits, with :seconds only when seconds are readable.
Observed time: 7:29
